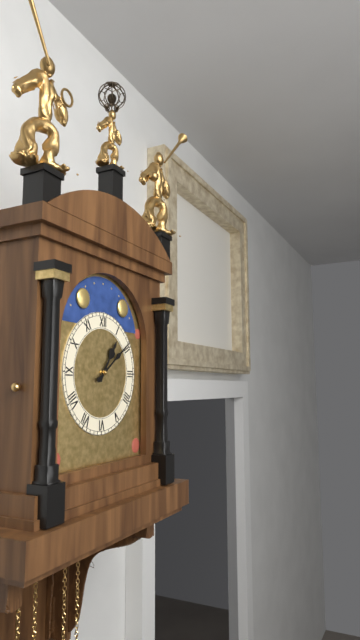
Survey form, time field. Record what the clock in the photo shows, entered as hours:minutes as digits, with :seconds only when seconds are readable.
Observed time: 1:09
